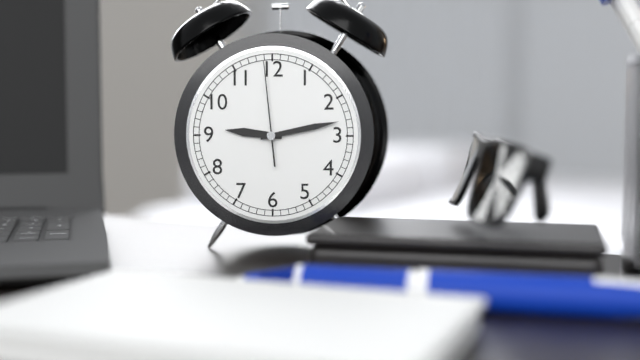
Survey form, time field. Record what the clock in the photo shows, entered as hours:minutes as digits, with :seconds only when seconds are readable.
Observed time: 9:13:59
